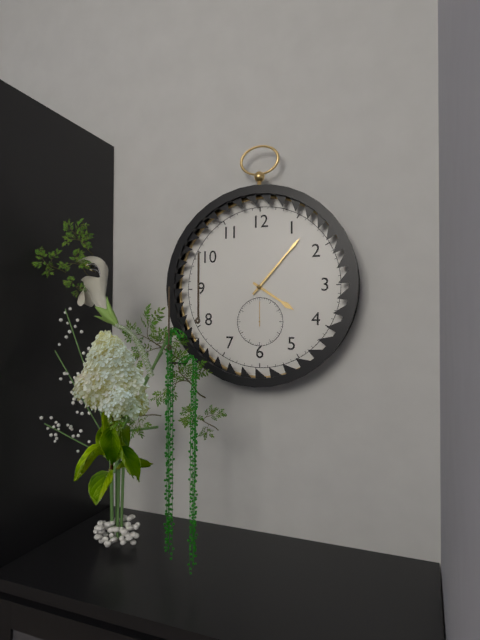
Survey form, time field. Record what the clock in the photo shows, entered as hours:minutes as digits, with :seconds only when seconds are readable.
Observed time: 4:07
